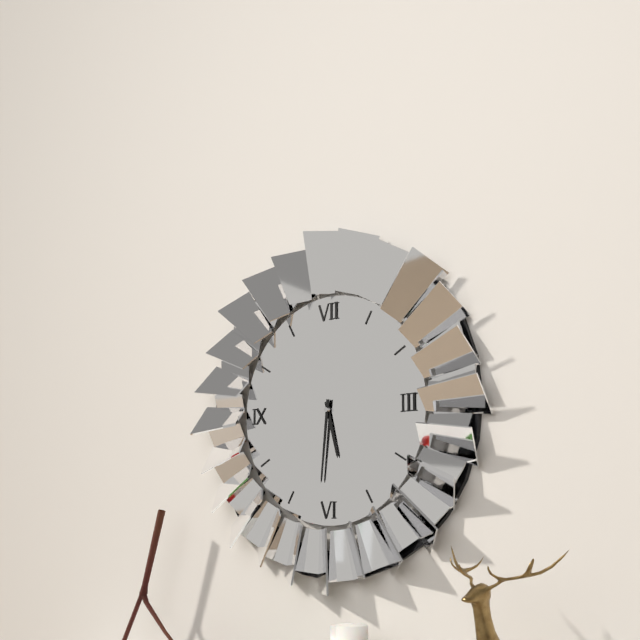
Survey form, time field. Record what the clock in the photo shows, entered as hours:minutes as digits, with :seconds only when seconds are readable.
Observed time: 5:31
